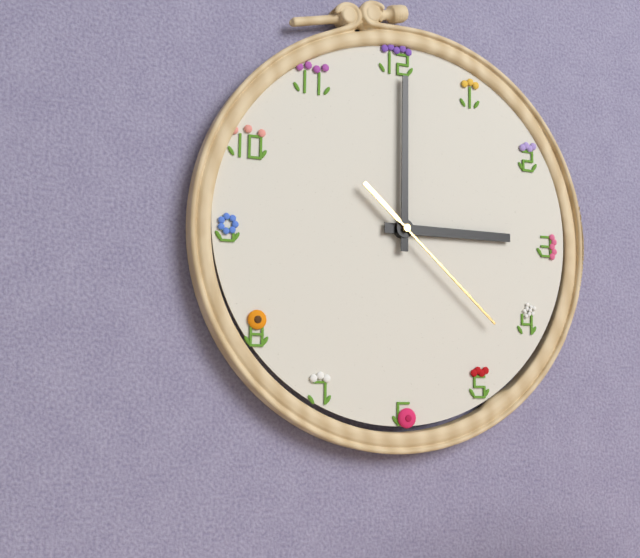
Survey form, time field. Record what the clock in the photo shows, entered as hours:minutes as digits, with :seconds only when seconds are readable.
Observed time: 3:00:22
